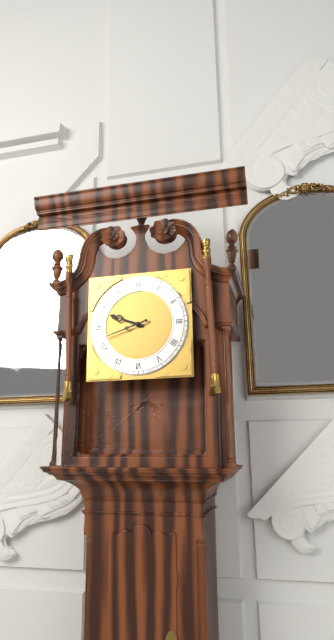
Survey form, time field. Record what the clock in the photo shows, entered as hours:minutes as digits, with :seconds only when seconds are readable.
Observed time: 9:42
